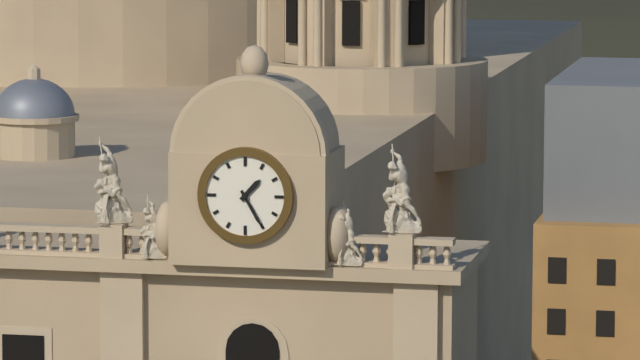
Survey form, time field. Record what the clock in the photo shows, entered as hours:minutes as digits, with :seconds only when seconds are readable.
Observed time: 1:25
